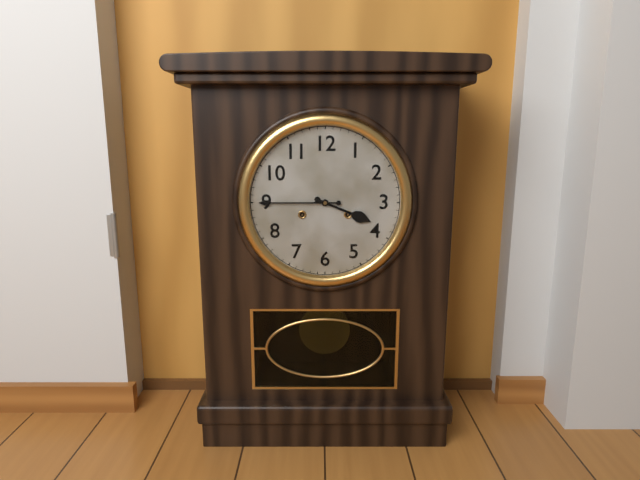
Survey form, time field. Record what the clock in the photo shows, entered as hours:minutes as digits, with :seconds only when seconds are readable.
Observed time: 3:45
